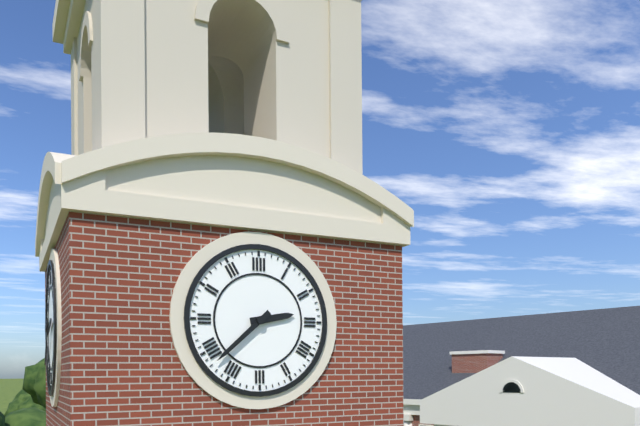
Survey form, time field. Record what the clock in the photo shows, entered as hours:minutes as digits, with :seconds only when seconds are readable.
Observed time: 2:38
